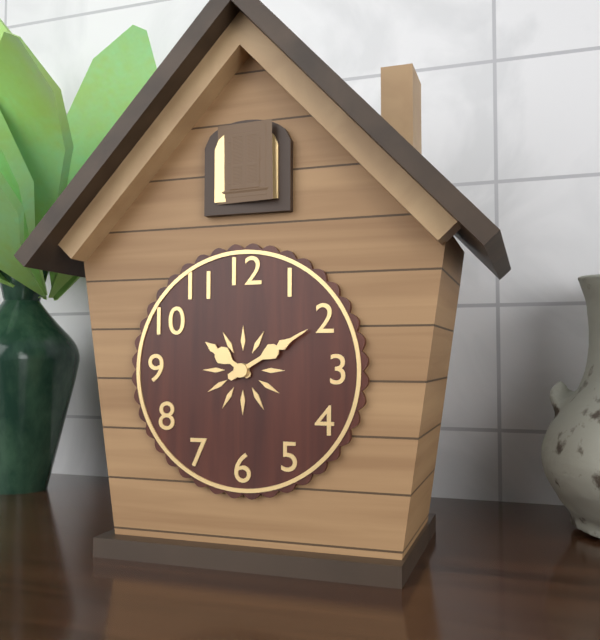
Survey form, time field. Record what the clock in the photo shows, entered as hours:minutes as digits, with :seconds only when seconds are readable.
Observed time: 10:10
